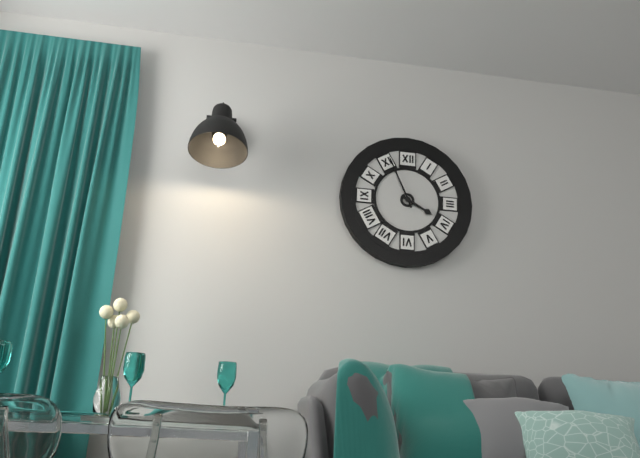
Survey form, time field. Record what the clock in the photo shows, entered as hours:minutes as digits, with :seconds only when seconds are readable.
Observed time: 3:56
